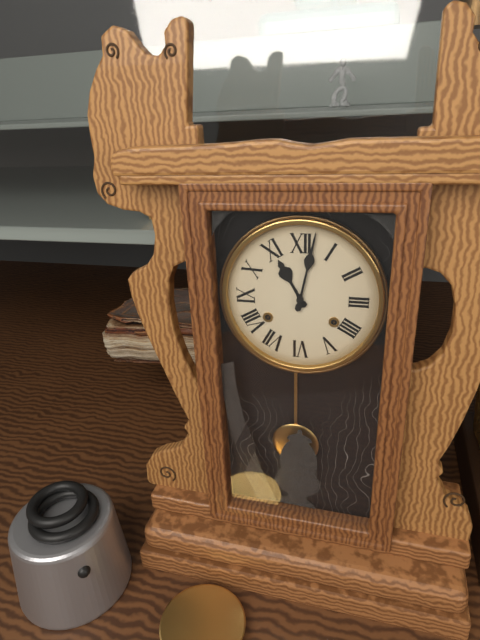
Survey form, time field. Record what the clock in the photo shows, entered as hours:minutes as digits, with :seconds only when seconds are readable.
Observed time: 11:02
